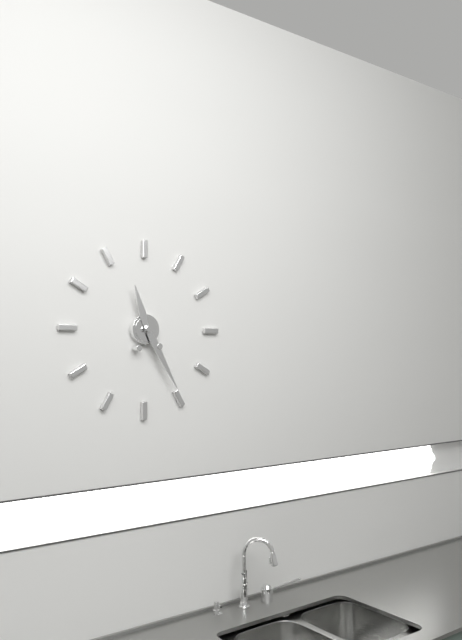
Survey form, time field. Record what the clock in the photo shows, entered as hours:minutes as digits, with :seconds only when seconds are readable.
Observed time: 11:25
